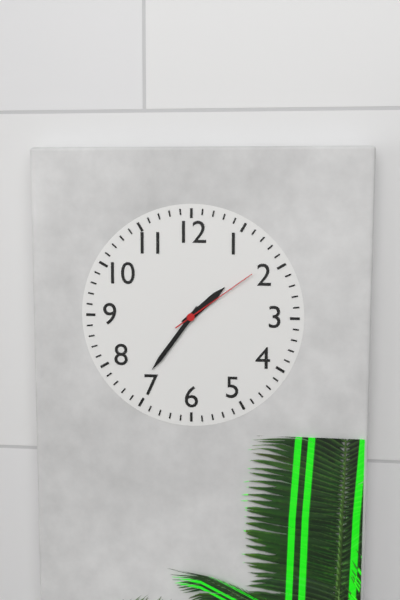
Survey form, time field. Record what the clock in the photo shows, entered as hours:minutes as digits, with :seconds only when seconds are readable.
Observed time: 1:36:09
